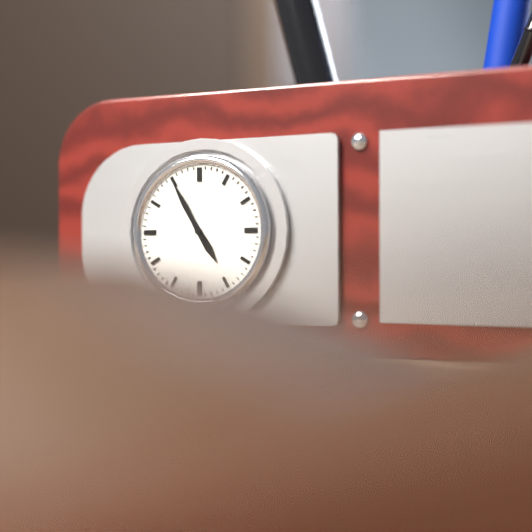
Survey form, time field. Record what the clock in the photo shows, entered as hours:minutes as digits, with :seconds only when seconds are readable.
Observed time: 4:55
